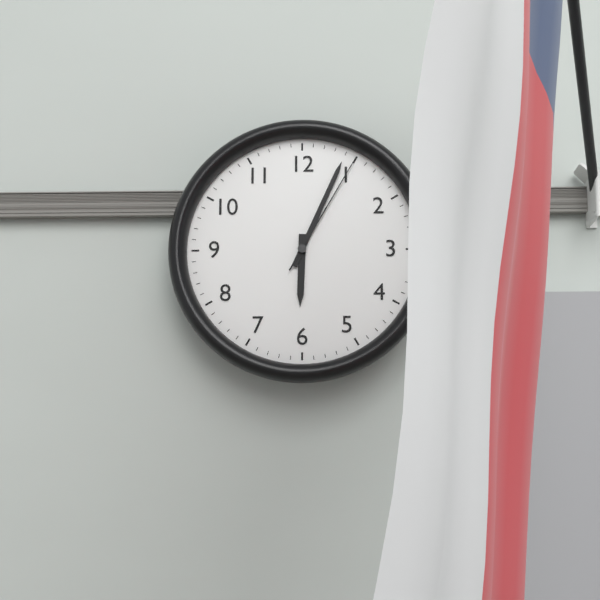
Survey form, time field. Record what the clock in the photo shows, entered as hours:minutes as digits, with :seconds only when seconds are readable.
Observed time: 6:04:05
